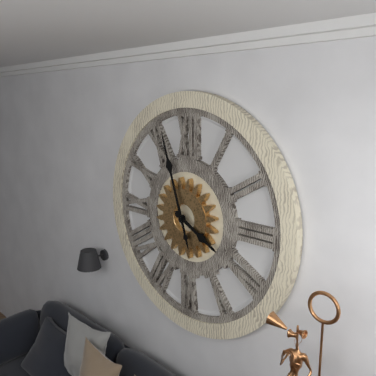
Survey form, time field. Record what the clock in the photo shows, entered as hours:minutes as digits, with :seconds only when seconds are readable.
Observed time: 3:57
